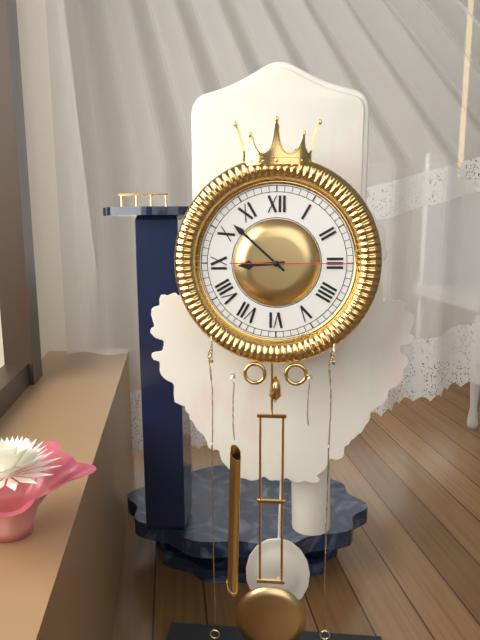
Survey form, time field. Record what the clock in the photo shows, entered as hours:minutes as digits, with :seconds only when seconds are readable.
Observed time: 8:52:15
